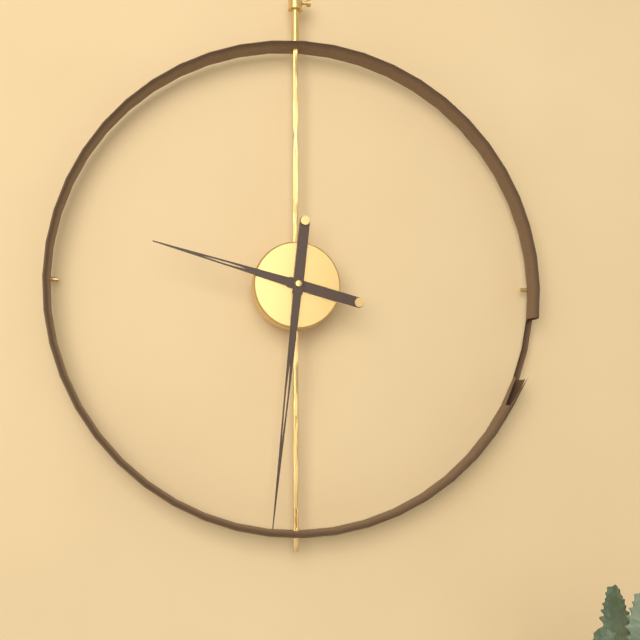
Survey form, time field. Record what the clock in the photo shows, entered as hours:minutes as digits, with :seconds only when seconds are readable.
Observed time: 9:31
